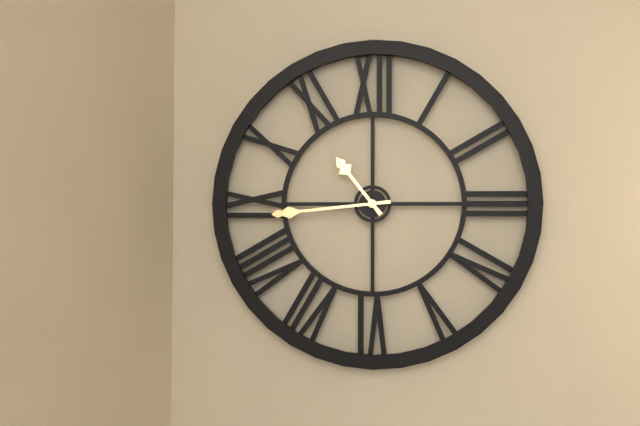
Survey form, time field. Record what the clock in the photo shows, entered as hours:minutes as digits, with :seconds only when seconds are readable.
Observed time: 10:44
